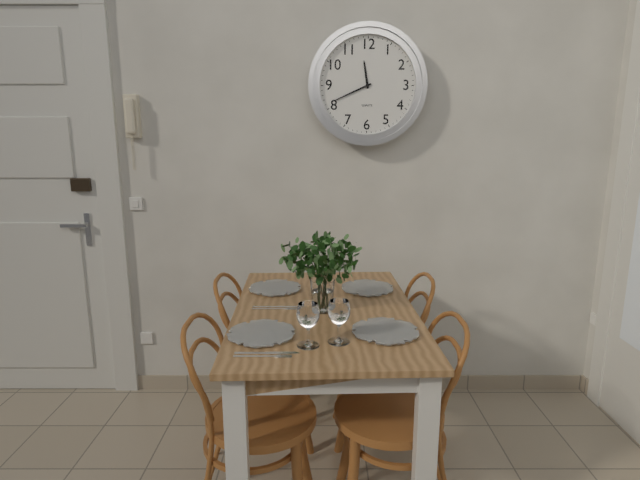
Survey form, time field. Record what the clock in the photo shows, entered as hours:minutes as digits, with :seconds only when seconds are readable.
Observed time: 11:41
